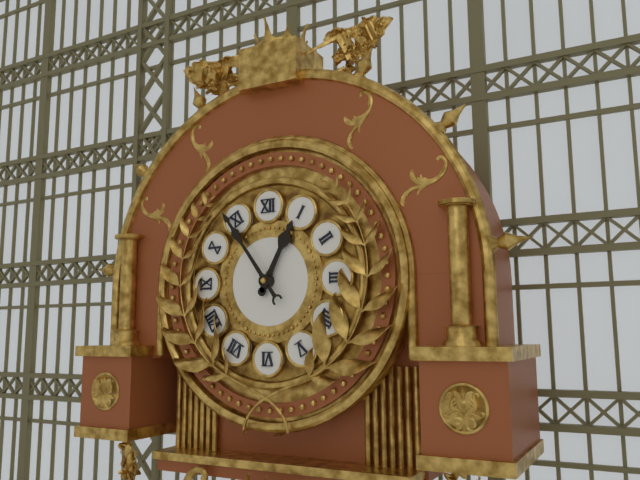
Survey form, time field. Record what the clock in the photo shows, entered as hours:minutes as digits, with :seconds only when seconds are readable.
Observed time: 12:54
